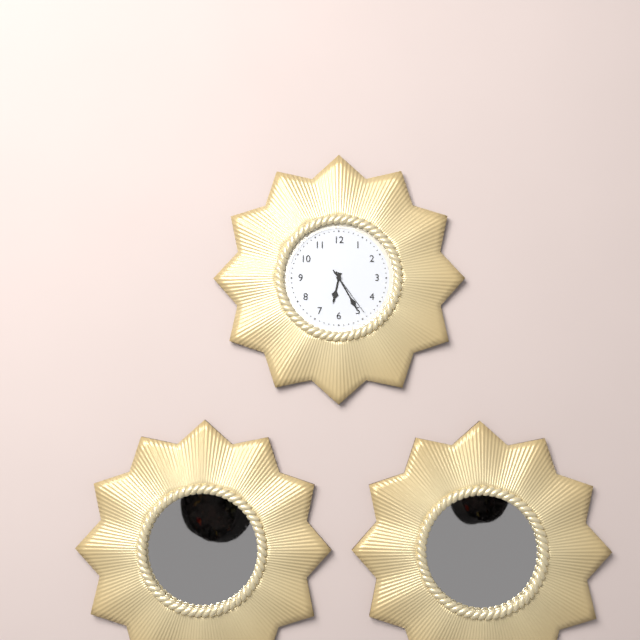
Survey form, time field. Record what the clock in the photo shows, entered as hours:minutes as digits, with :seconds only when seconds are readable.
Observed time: 6:25:24
